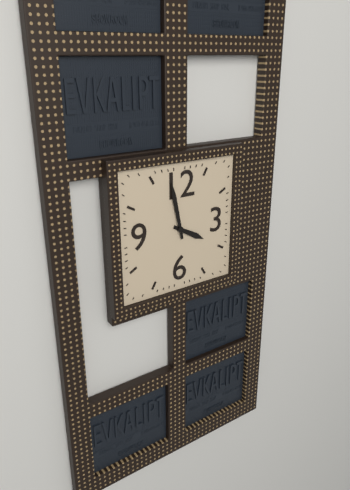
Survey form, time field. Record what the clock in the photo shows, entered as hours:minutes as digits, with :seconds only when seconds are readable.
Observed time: 3:58
